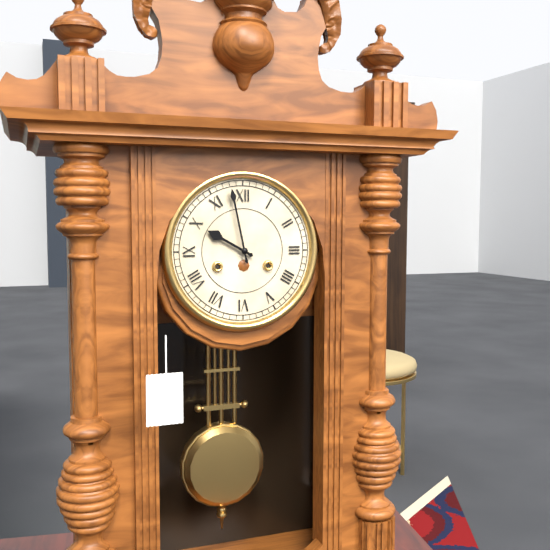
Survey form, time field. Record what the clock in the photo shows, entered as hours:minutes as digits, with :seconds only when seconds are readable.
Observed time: 9:58
